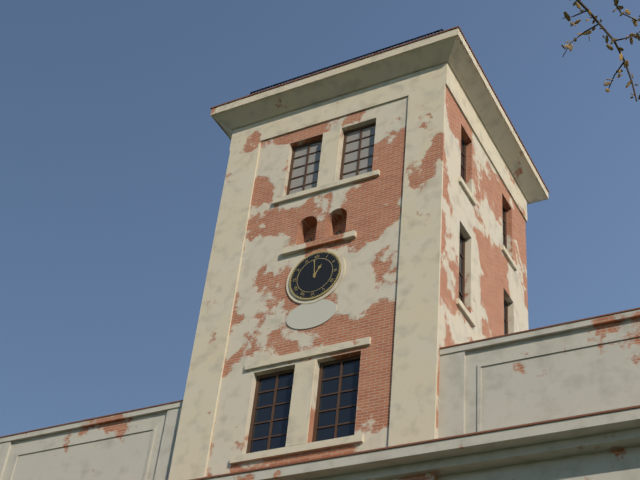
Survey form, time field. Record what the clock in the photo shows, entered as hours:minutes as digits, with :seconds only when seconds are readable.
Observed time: 12:59
